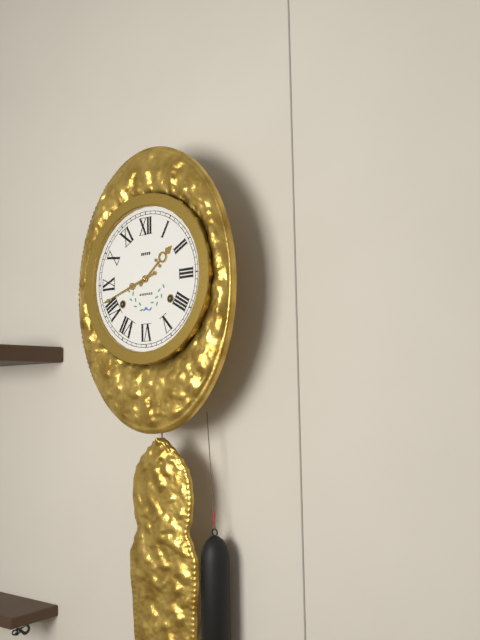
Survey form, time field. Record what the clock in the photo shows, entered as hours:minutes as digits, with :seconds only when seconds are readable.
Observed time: 1:42
